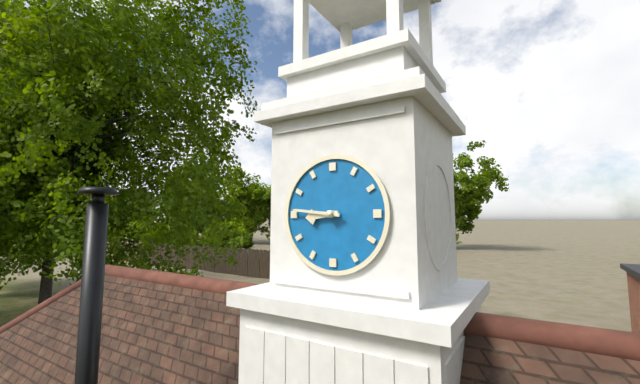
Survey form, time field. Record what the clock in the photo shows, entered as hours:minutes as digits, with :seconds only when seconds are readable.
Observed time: 8:46
